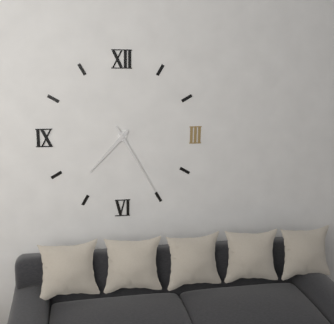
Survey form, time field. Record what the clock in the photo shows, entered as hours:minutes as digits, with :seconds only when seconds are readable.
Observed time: 7:25
